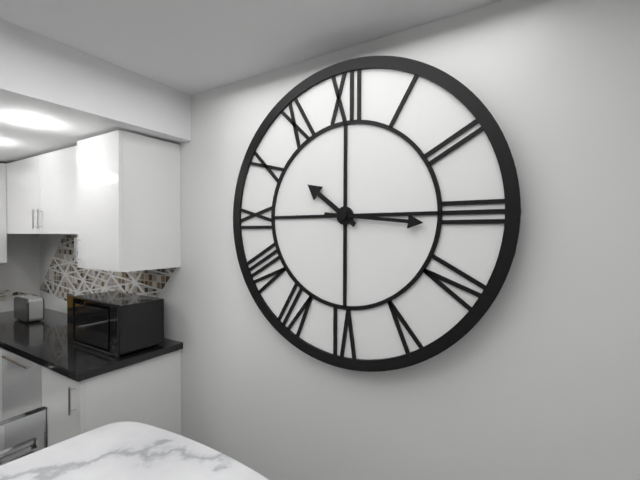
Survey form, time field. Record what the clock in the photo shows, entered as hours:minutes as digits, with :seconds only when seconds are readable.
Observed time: 10:16
